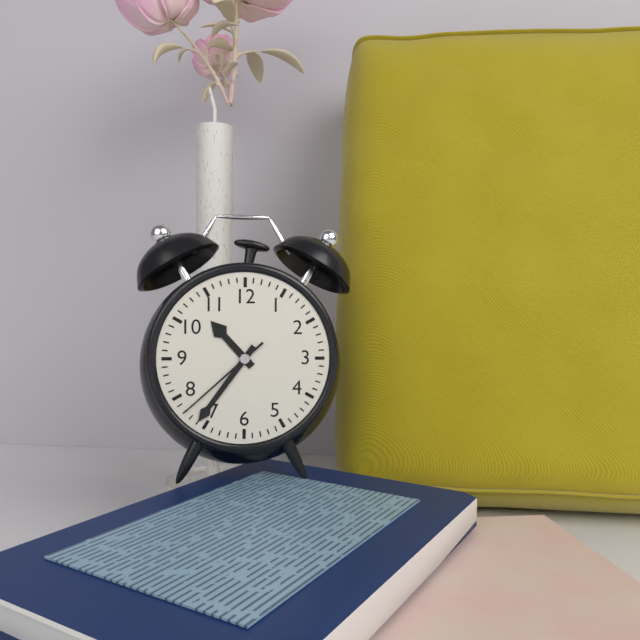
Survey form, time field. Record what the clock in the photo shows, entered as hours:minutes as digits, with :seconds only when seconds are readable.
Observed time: 10:36:38
